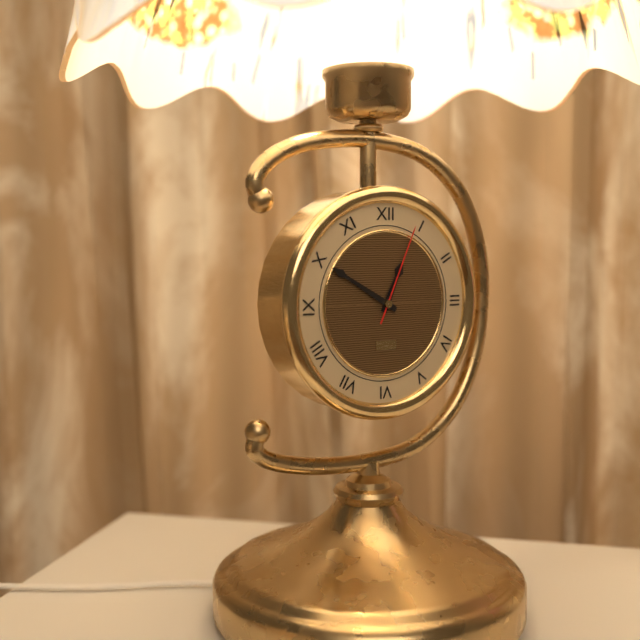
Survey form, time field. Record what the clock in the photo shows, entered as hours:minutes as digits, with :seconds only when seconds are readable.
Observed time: 12:50:04
